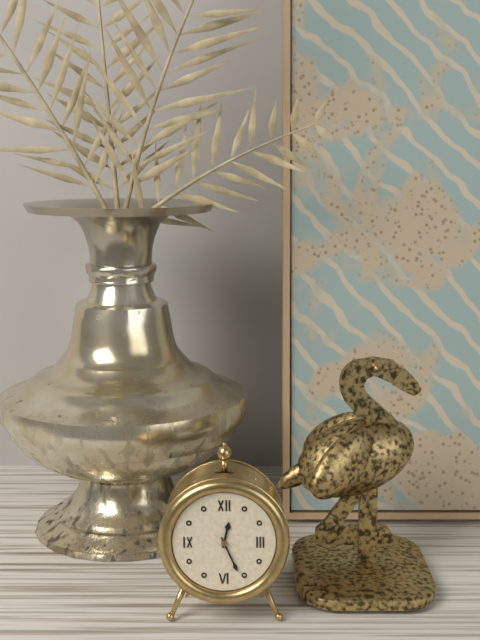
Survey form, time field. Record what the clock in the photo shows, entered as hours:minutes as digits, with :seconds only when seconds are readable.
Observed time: 12:26
